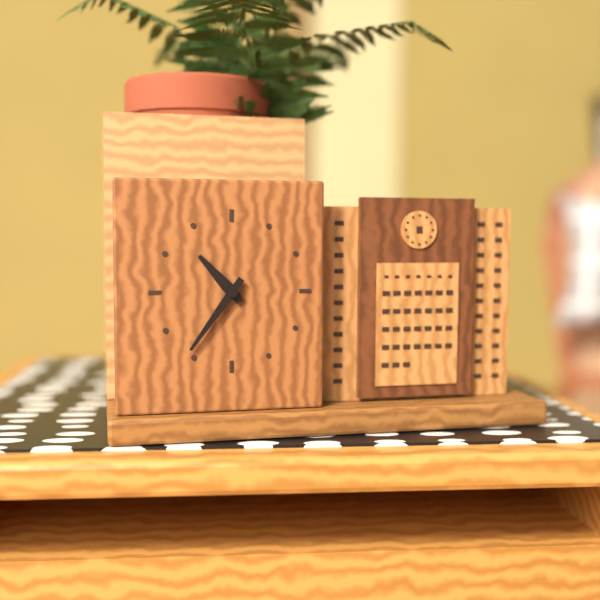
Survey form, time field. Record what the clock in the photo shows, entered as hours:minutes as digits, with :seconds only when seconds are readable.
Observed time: 10:36
